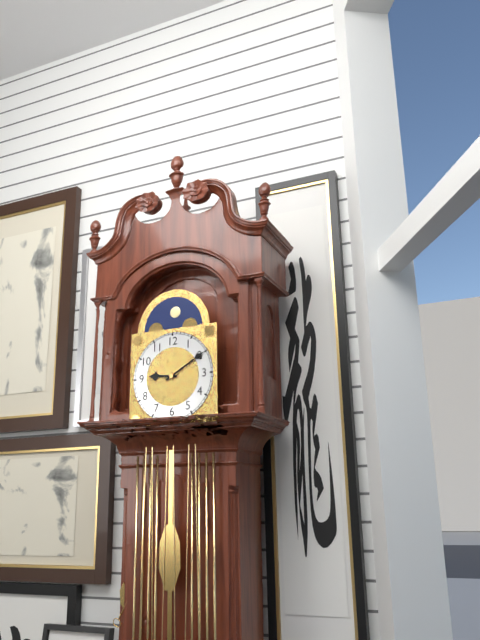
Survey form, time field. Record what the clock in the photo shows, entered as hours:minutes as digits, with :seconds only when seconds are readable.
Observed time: 9:10
